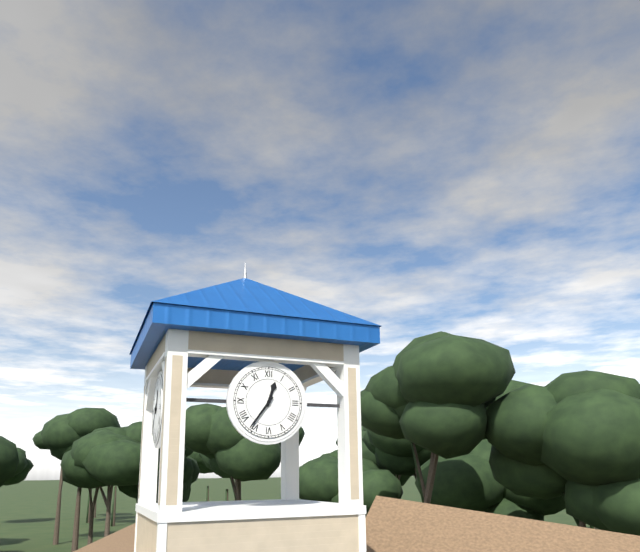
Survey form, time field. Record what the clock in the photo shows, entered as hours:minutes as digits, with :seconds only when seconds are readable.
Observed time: 12:36
